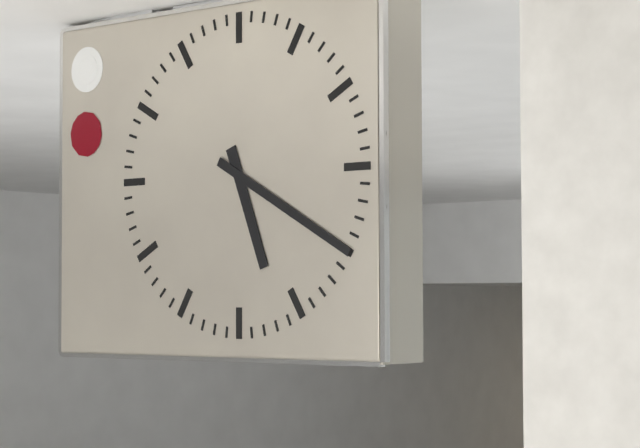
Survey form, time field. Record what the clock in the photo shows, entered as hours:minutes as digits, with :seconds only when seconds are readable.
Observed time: 5:20
